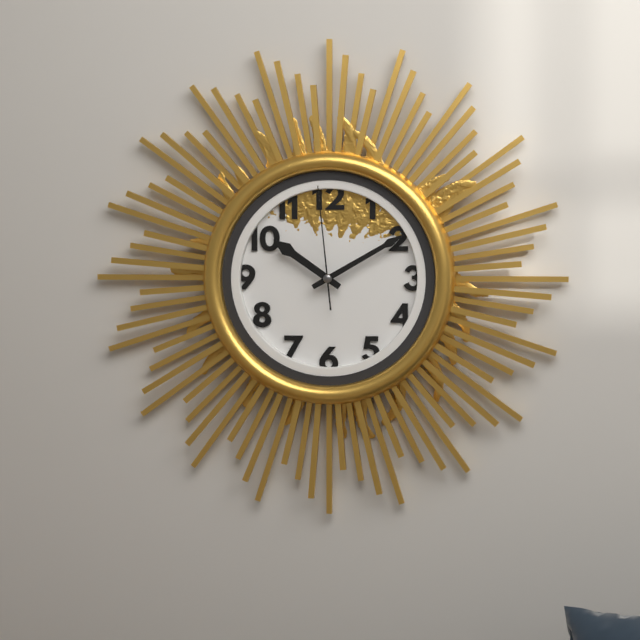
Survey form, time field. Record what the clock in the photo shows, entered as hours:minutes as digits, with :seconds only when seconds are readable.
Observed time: 10:10:59
